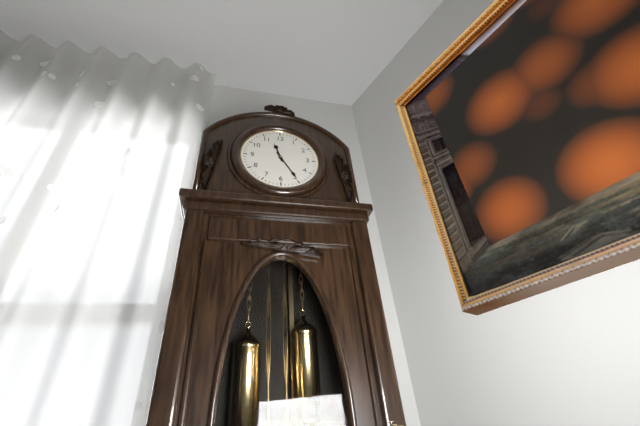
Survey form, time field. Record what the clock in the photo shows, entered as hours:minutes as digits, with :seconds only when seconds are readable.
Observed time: 11:25
